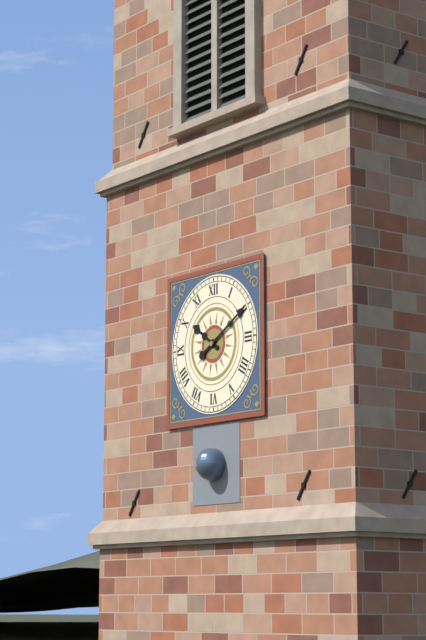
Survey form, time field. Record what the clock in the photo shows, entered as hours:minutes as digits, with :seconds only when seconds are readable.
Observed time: 10:10
